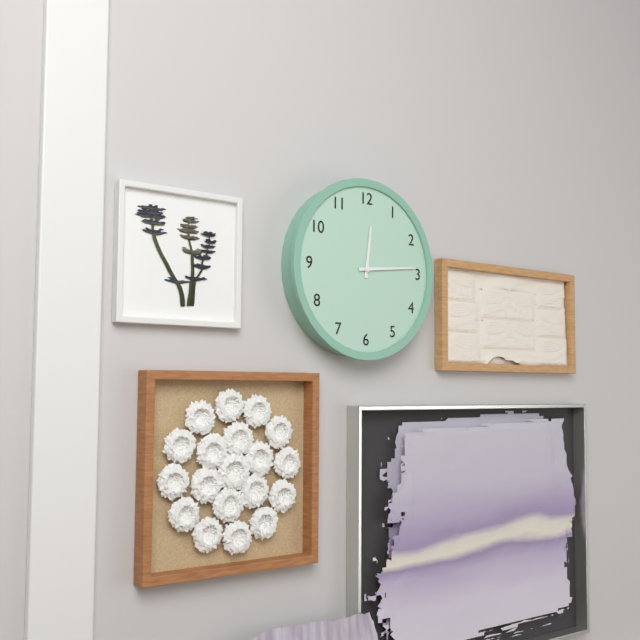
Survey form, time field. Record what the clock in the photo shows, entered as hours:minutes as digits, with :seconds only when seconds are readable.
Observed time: 12:14
